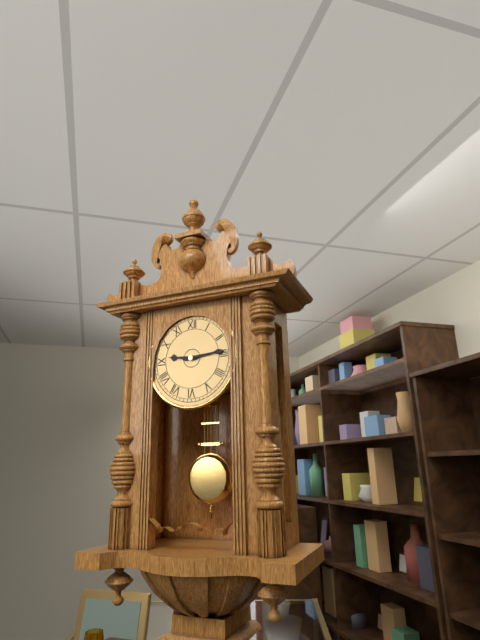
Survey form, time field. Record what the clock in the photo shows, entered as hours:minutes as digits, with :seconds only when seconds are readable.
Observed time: 9:14
